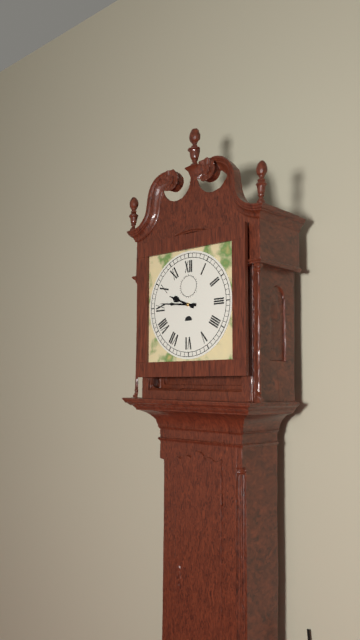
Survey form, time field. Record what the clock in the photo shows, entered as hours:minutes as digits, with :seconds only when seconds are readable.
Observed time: 9:46
